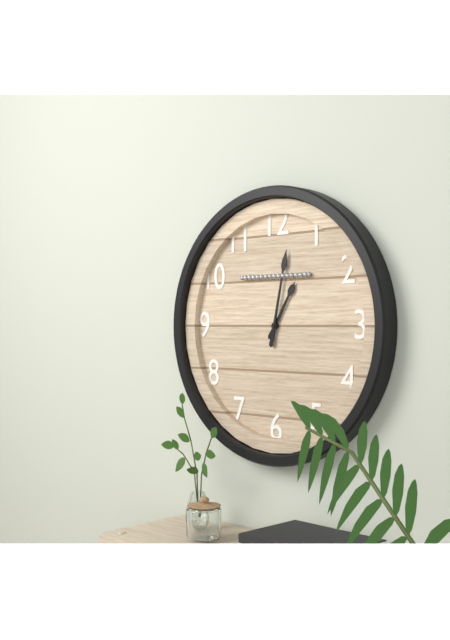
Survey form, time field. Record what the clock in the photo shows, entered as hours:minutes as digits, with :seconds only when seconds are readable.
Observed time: 1:02
